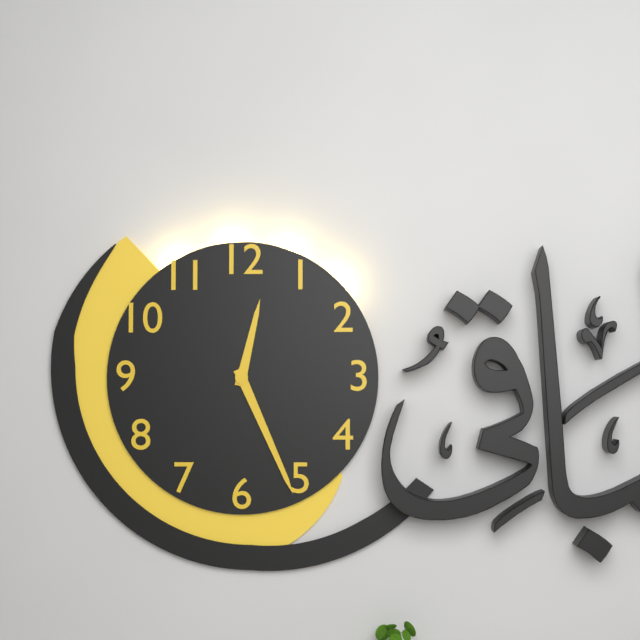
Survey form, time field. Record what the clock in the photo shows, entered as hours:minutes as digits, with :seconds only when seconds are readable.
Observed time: 12:26
